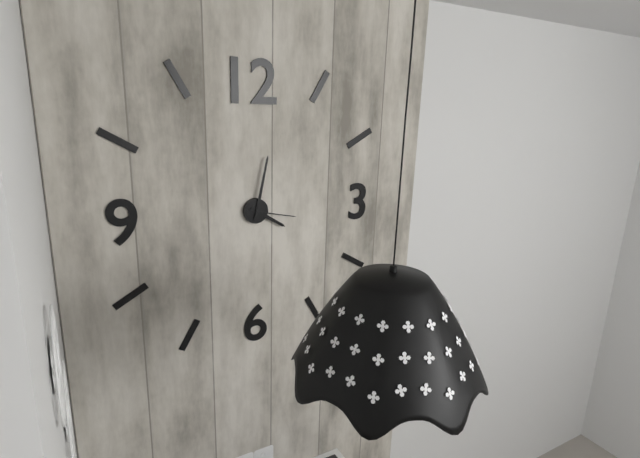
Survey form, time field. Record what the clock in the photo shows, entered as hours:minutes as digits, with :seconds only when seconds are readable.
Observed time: 4:02:17
